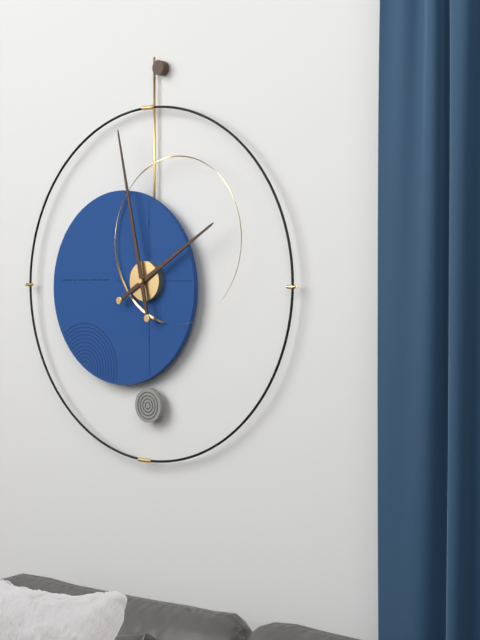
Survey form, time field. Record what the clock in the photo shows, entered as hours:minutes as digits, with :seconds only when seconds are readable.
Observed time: 1:58
